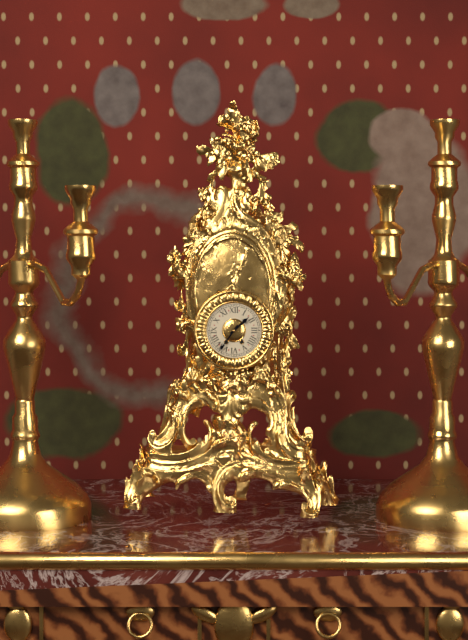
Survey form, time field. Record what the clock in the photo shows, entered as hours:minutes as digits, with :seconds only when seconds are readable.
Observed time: 1:36
